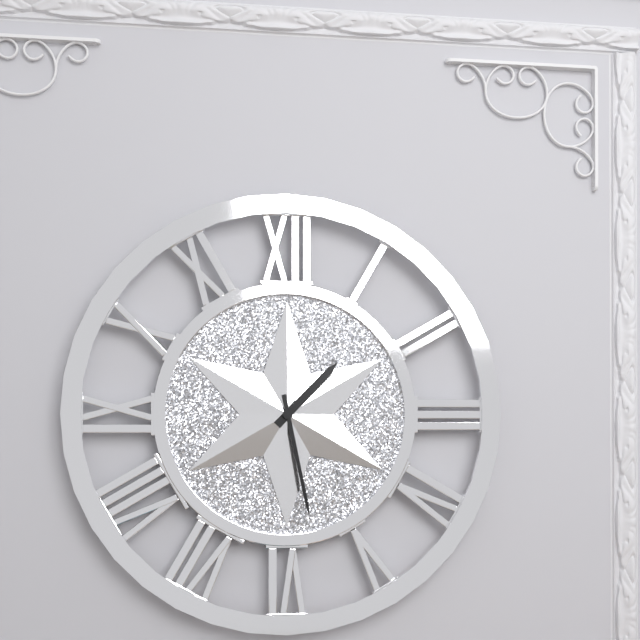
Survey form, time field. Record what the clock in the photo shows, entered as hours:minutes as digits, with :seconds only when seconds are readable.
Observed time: 1:28
